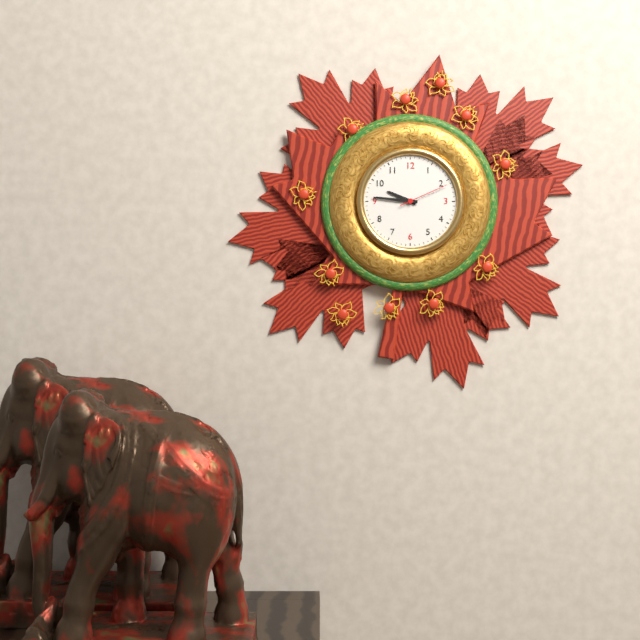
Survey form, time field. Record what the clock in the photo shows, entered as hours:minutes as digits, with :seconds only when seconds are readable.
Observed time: 9:46:11
